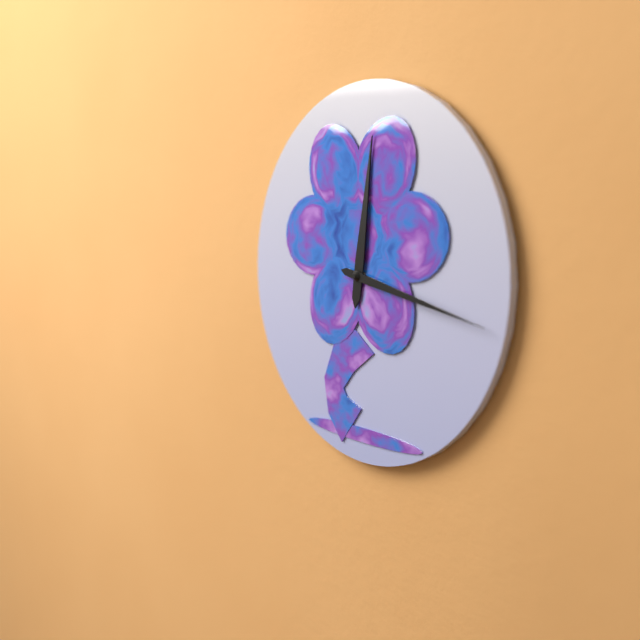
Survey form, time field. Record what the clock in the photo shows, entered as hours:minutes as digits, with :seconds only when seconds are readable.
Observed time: 12:17
